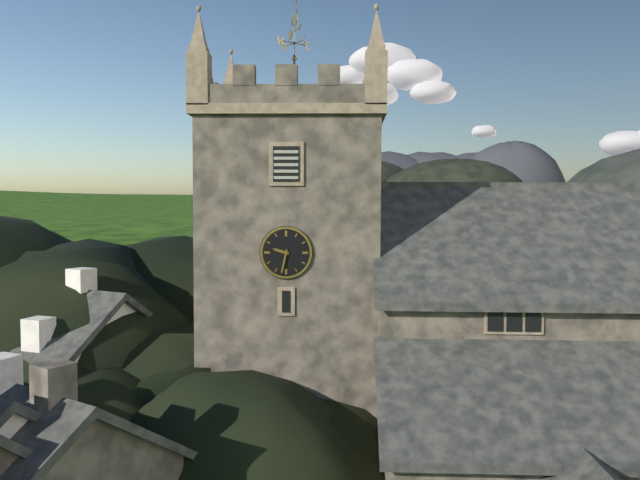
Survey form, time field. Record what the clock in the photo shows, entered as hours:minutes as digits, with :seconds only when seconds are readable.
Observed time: 9:32
